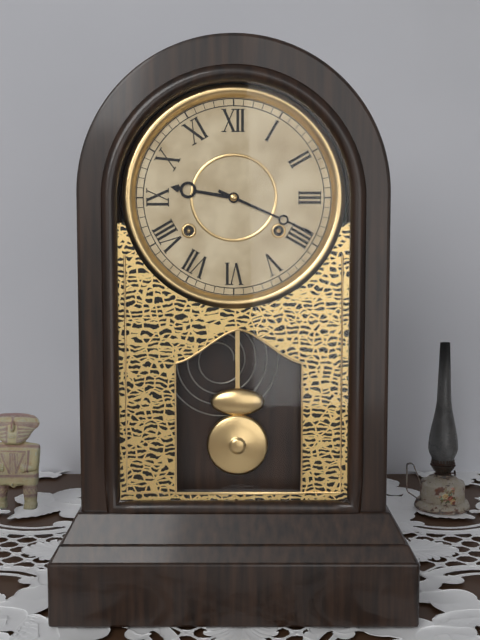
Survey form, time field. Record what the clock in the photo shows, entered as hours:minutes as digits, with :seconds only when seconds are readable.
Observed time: 9:19
